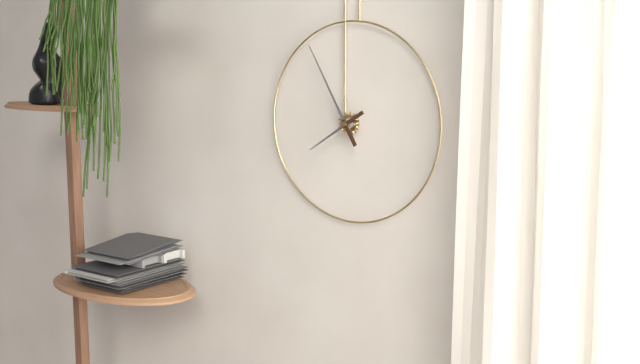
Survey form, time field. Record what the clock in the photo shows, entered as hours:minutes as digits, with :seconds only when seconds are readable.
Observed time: 7:55
